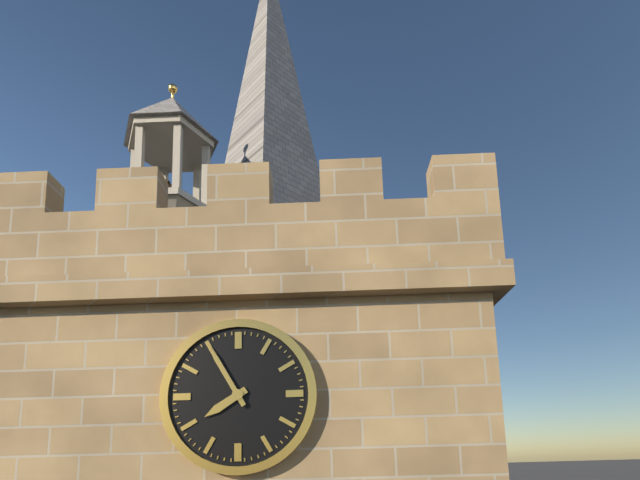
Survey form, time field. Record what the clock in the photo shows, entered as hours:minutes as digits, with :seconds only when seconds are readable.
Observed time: 7:55
